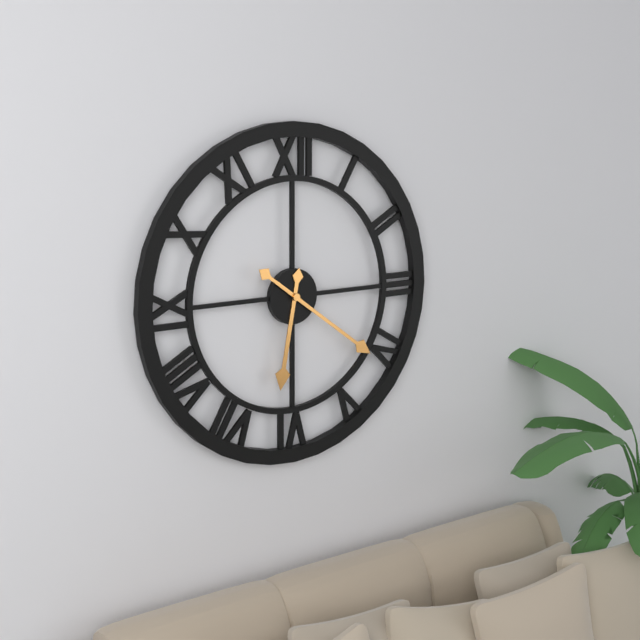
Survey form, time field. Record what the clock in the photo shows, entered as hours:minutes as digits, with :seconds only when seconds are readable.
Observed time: 6:21
